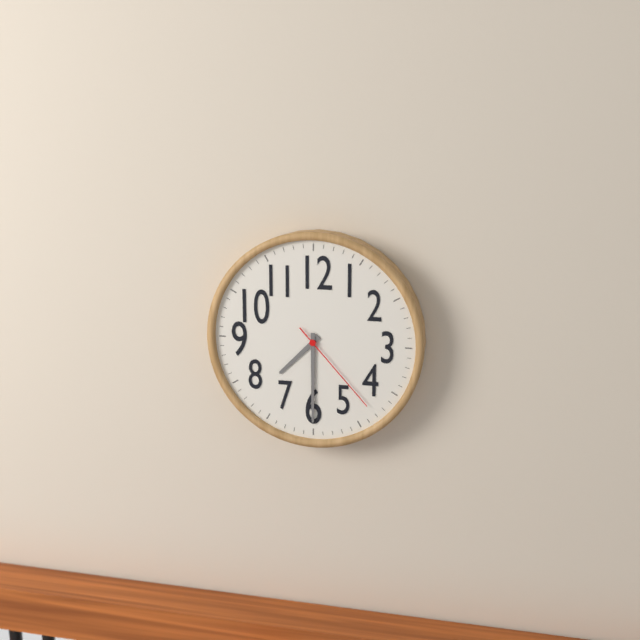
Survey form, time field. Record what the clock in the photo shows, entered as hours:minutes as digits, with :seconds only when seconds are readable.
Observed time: 7:30:23
